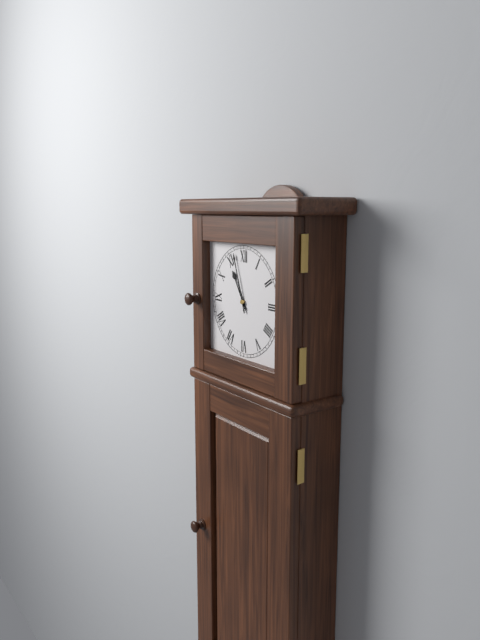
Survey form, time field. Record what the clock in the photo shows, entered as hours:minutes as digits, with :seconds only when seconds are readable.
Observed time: 10:57
